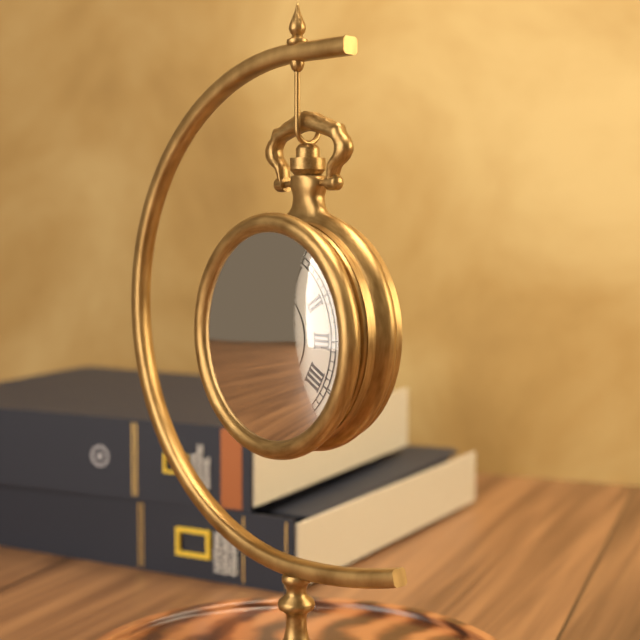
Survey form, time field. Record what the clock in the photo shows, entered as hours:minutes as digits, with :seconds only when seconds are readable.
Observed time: 12:30:57
